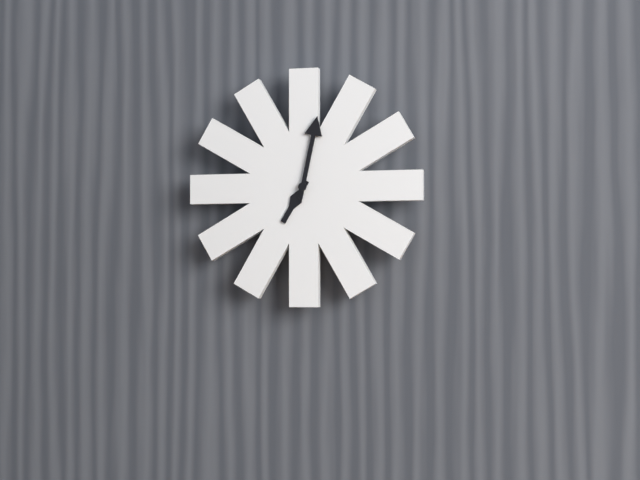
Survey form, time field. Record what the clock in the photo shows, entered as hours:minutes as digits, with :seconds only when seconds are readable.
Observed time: 7:02
